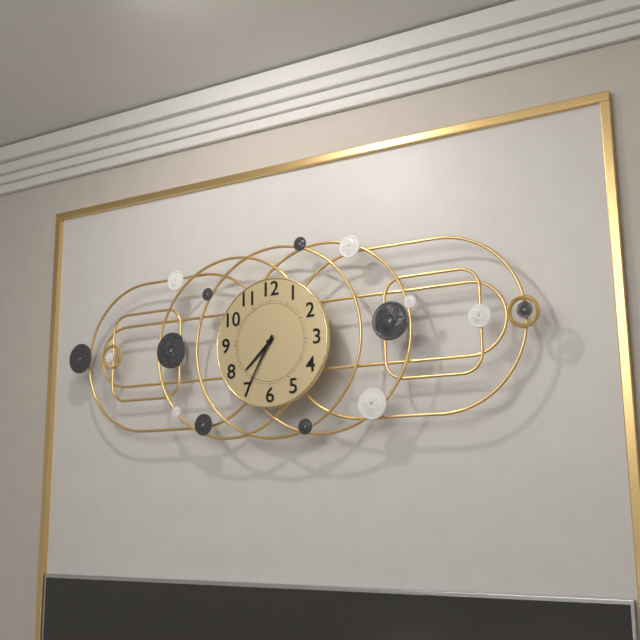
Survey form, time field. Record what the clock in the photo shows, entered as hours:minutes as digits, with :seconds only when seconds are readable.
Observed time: 7:35
